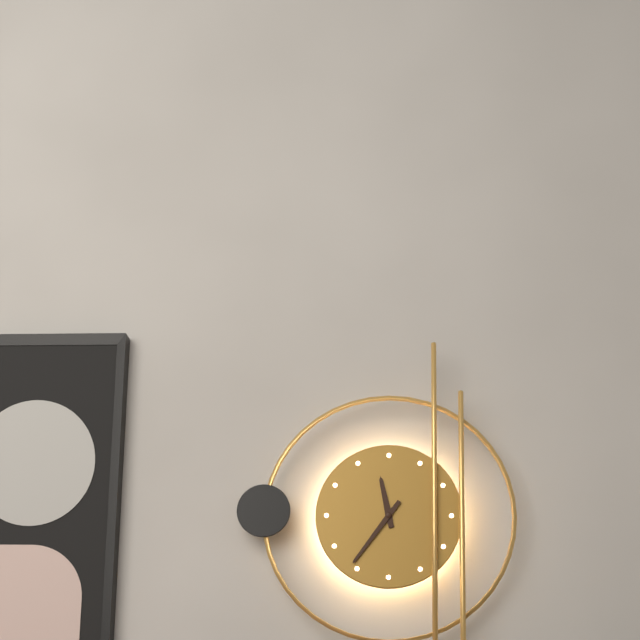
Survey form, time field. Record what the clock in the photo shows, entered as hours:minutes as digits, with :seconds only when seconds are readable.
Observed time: 11:36
